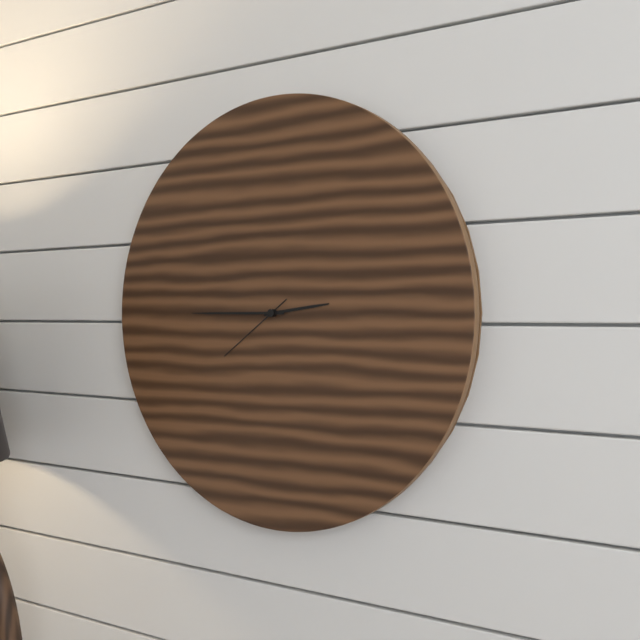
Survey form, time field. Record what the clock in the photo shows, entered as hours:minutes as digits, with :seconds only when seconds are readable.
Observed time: 2:45:39
